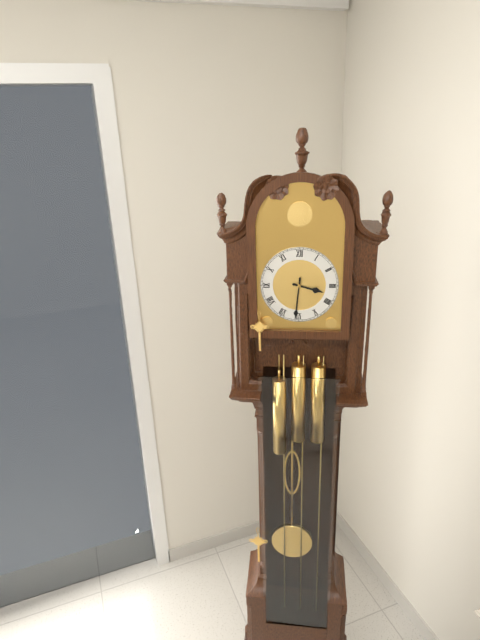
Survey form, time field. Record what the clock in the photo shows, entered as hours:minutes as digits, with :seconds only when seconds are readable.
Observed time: 3:31
